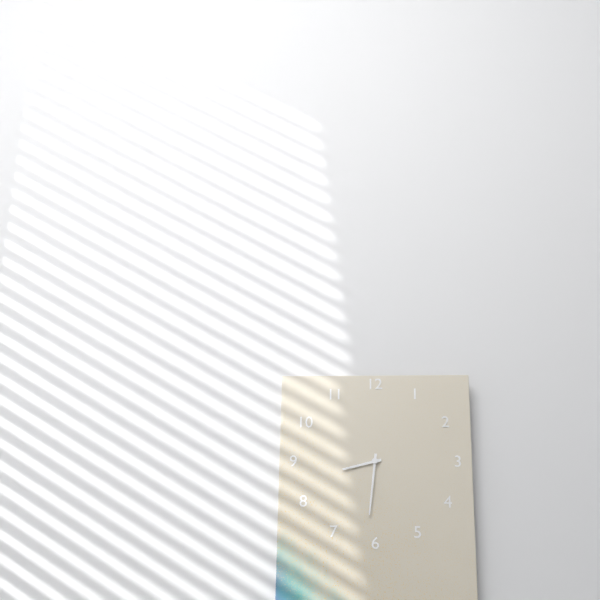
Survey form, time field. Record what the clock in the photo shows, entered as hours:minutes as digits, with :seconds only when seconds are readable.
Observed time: 8:31
